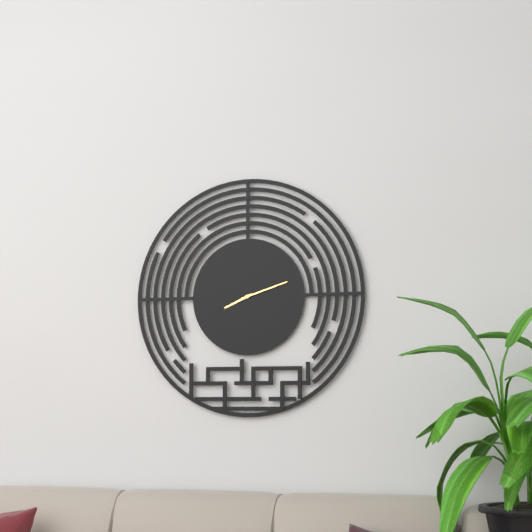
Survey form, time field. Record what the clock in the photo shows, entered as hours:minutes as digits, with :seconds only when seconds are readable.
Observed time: 8:12
